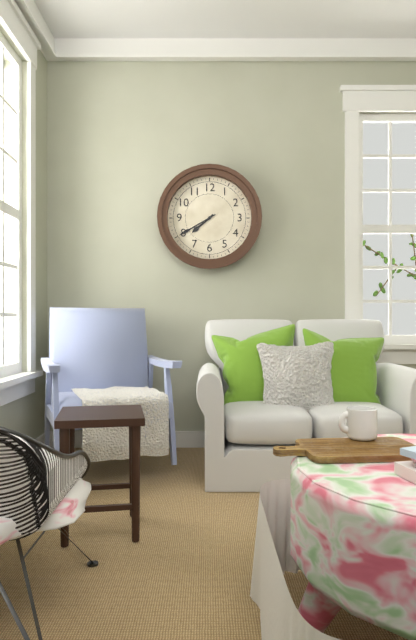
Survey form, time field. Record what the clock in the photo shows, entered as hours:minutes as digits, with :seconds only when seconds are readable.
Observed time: 7:40
